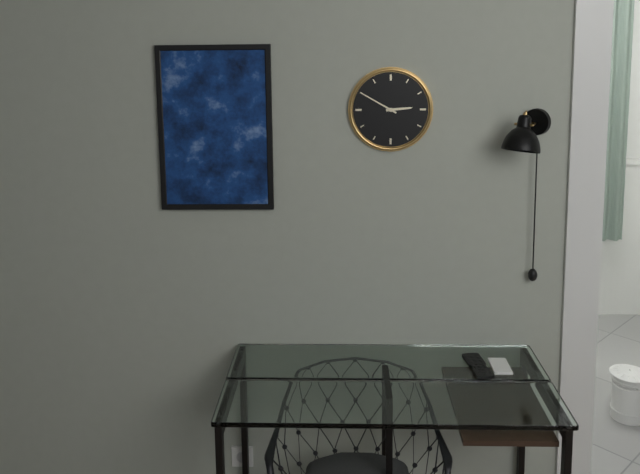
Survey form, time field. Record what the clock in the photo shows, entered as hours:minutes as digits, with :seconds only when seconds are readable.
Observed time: 2:50
